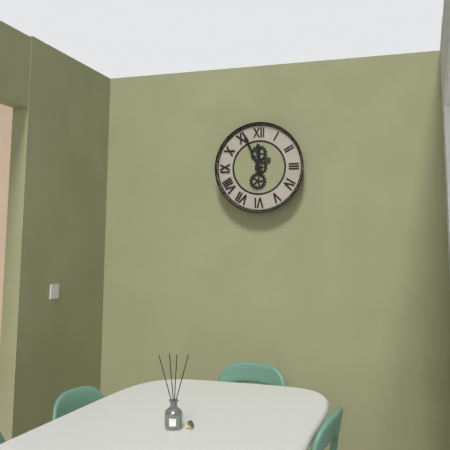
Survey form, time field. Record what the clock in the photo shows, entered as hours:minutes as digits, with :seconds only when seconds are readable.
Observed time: 11:56
